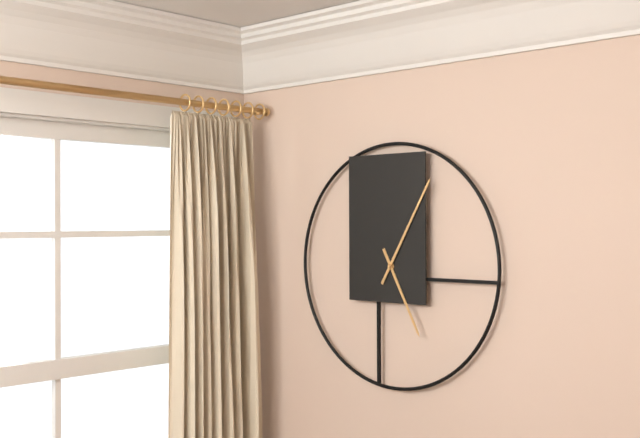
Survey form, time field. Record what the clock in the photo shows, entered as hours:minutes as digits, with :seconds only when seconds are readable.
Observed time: 5:05
